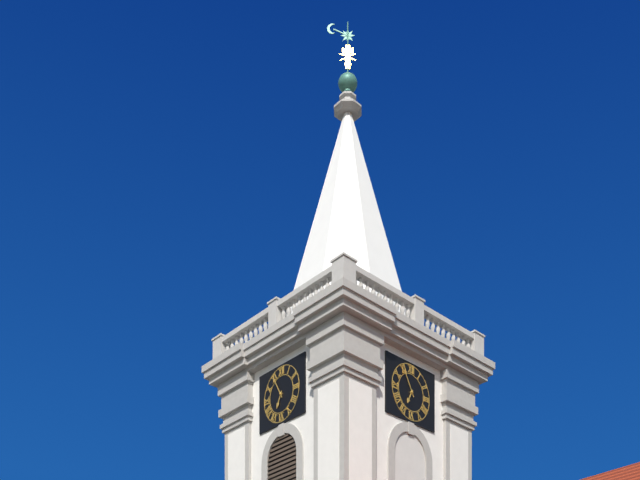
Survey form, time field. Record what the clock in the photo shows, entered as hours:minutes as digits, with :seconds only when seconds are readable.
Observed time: 6:55
